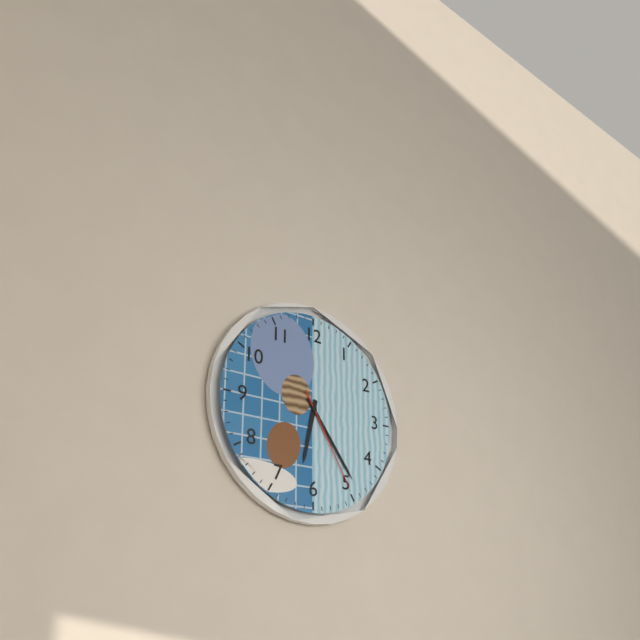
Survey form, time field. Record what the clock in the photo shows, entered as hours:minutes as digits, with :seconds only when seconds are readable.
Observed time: 6:24:25
